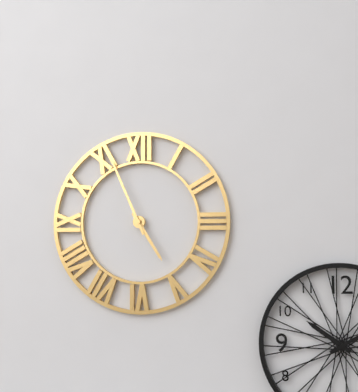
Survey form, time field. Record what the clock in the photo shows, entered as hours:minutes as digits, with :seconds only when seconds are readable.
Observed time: 4:56
